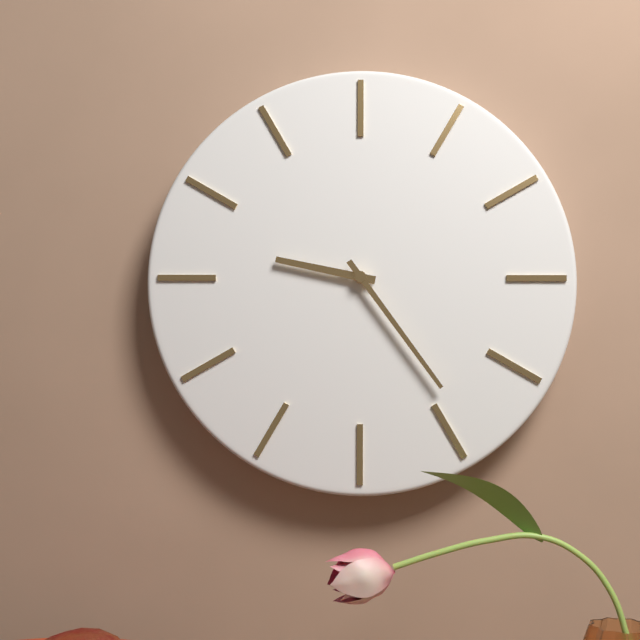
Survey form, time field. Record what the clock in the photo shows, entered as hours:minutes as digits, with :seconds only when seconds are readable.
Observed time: 9:24
